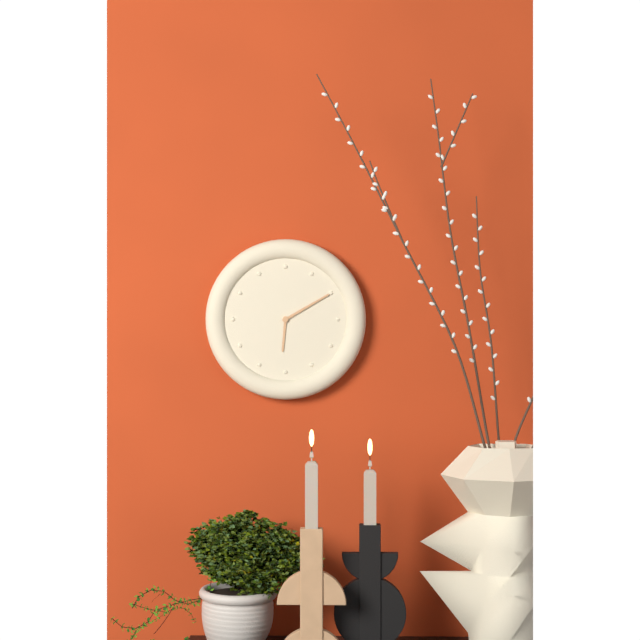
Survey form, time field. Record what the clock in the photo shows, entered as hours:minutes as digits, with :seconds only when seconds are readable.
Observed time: 6:10
